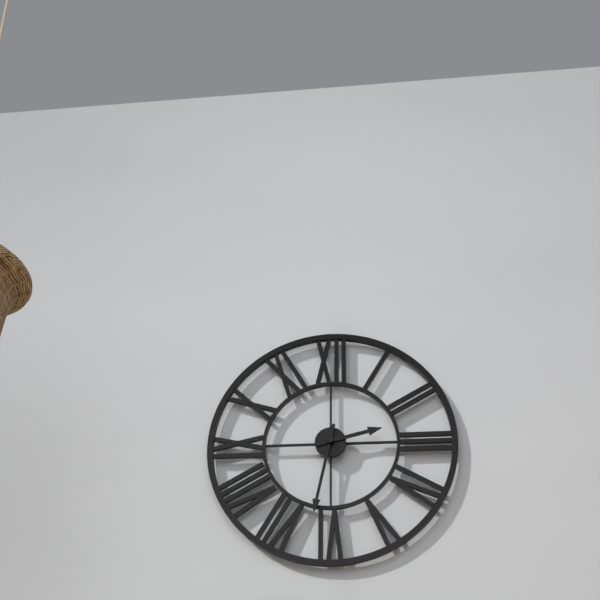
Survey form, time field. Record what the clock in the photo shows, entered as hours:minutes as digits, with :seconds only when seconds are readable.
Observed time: 2:32
